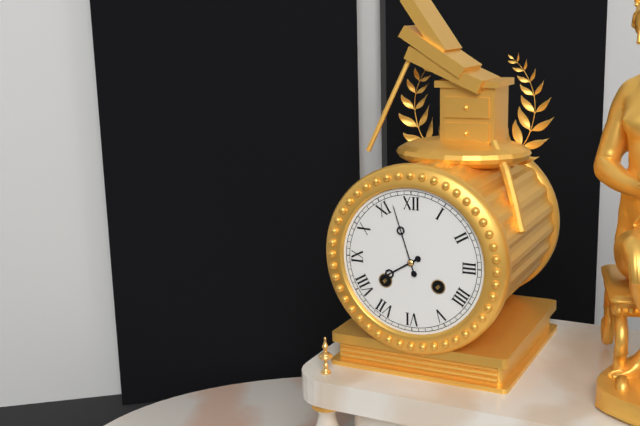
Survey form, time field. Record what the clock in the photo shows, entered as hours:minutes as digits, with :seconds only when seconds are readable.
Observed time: 7:57
